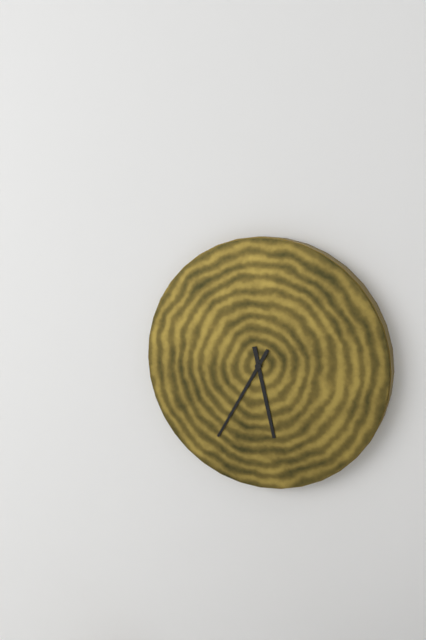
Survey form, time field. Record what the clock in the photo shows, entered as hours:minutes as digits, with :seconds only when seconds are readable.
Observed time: 5:35
